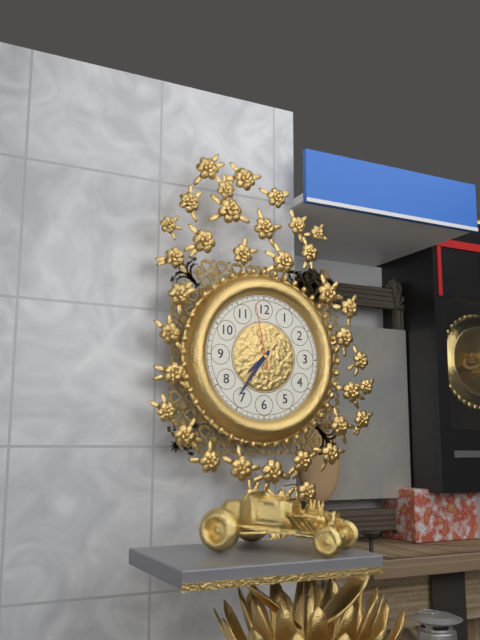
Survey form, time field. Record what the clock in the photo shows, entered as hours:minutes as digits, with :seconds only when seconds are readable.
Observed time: 7:36:58
